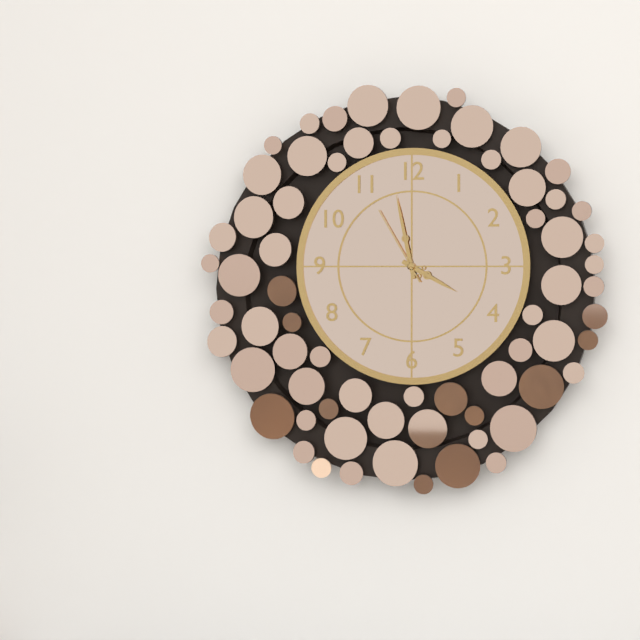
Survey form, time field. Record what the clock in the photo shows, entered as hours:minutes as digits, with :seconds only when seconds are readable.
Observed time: 3:58:55
